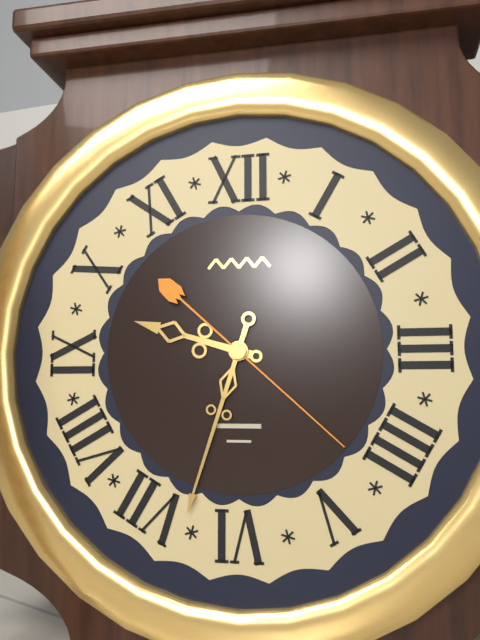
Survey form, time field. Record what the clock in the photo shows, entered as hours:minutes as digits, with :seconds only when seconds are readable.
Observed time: 9:33:22
